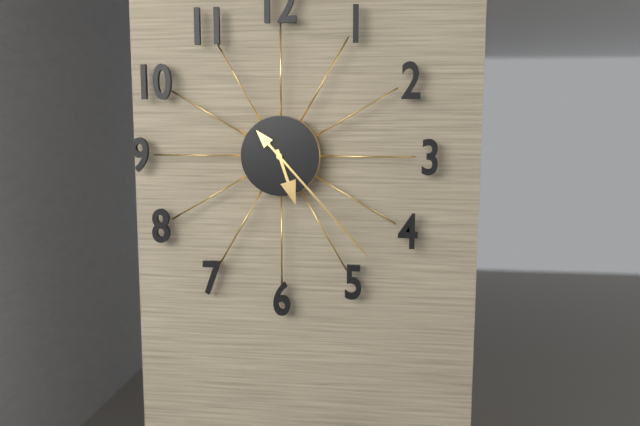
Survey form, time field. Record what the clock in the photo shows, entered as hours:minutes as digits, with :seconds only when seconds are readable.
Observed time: 5:23
